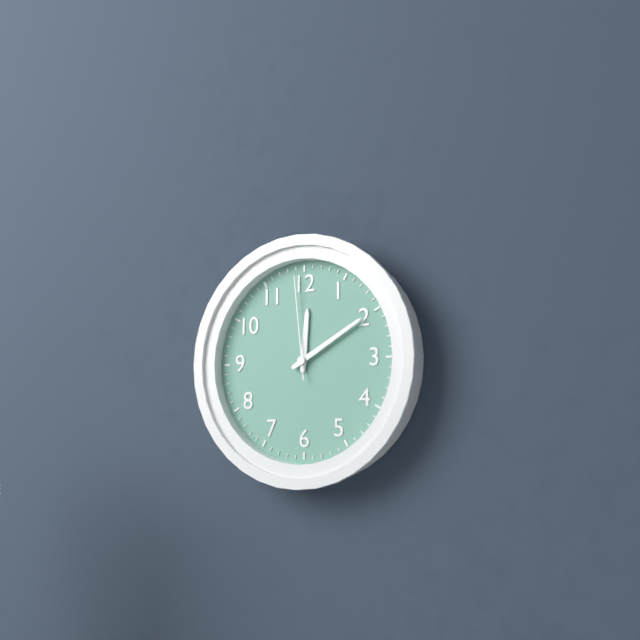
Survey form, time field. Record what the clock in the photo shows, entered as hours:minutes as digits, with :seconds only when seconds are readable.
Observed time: 12:10:59
